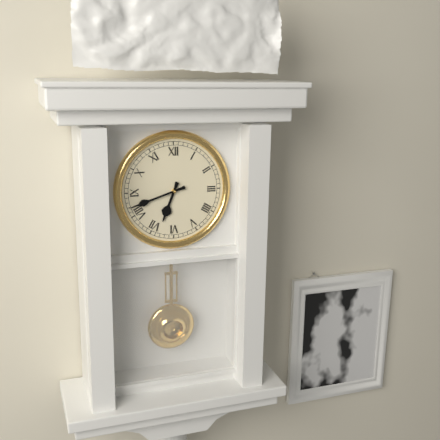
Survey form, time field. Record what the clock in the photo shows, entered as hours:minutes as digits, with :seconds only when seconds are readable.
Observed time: 6:42
